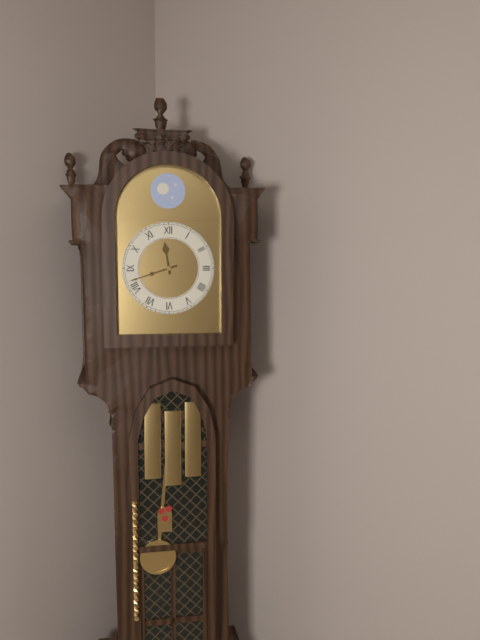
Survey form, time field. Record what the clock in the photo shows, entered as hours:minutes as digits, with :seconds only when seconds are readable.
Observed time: 11:42
